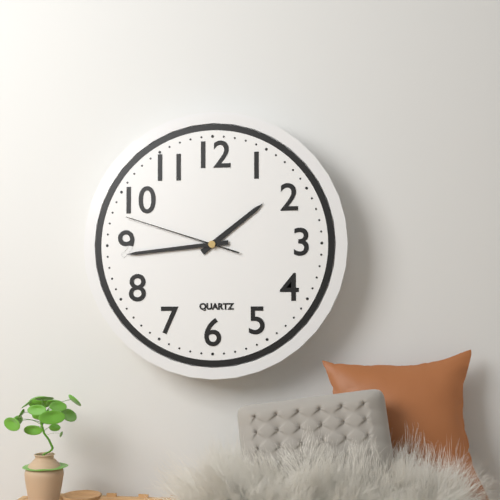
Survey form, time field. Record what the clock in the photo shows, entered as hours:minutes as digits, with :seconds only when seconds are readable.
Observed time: 1:44:48
